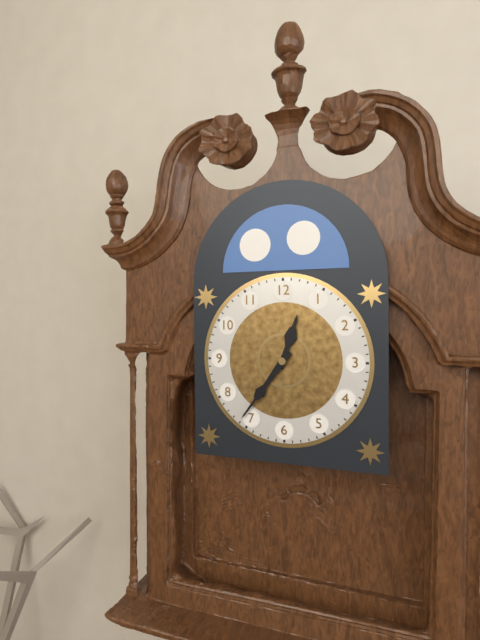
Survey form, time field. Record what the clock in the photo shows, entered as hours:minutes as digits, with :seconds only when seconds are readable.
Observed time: 12:36
